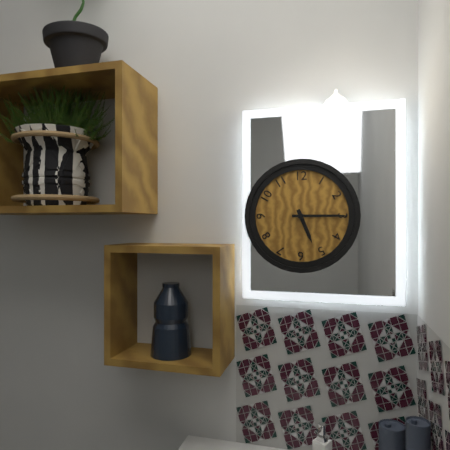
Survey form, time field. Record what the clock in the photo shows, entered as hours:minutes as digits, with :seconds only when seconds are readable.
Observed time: 5:15
